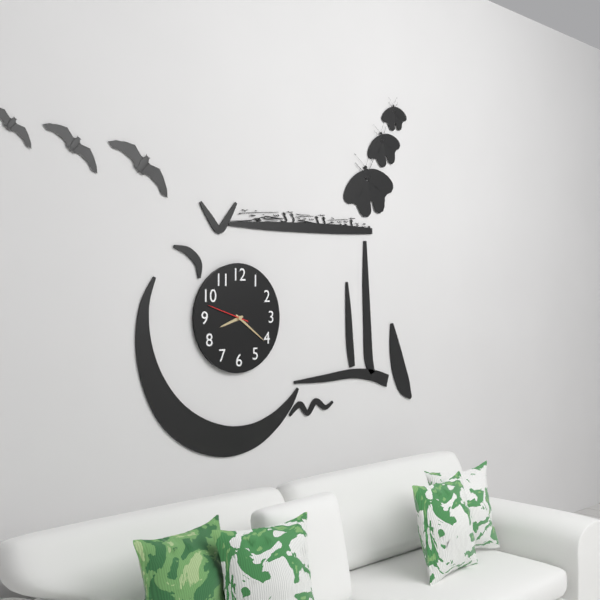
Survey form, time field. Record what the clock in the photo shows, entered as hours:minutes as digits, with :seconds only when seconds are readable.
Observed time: 8:21
